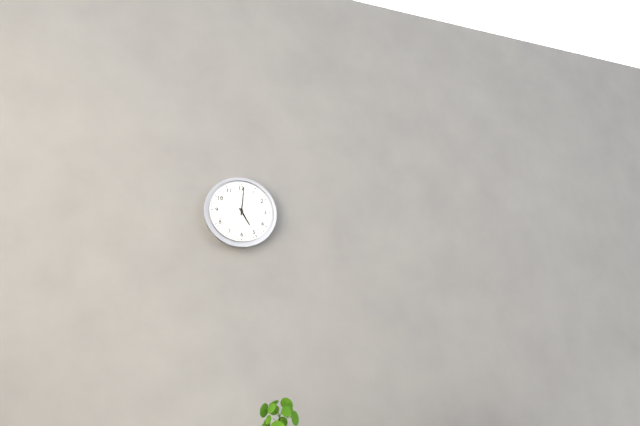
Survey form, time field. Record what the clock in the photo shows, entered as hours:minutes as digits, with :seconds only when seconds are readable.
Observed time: 5:01
